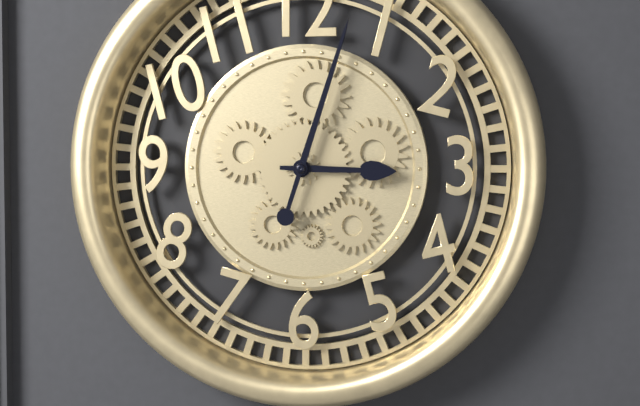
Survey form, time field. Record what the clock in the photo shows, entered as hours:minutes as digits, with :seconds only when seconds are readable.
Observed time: 3:03
